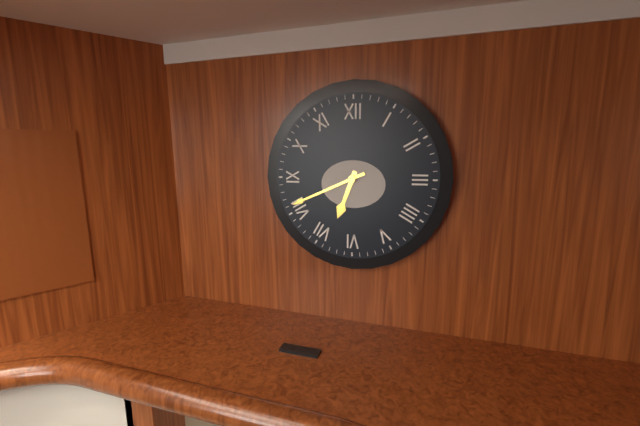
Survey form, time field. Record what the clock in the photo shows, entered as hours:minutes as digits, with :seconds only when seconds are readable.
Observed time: 6:41
